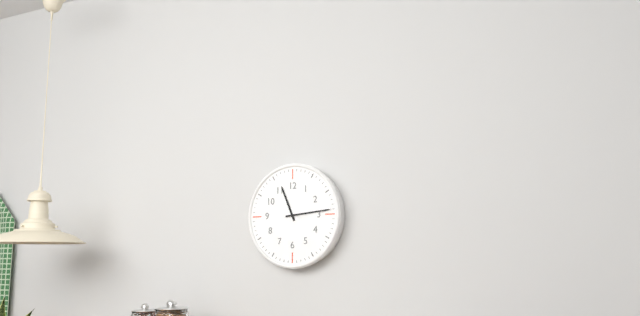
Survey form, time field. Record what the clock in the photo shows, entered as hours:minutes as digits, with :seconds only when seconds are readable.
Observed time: 11:14
